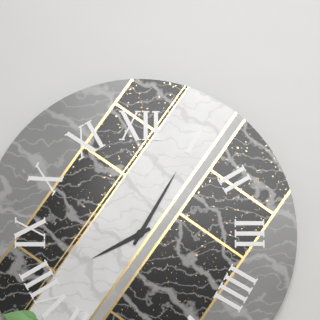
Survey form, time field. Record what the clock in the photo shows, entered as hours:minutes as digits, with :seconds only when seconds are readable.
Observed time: 8:05
